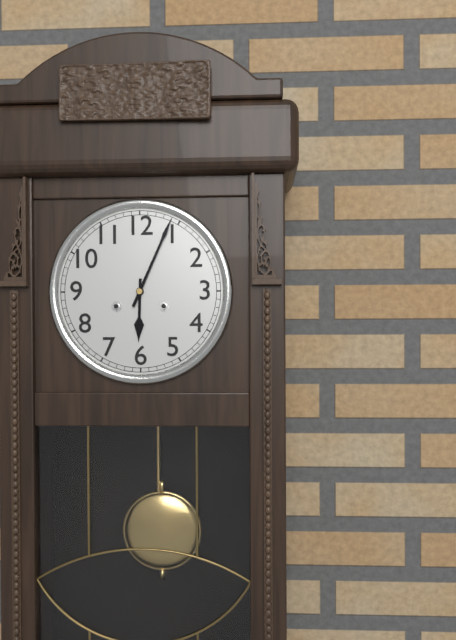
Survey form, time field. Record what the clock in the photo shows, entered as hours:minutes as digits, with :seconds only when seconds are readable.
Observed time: 6:04
